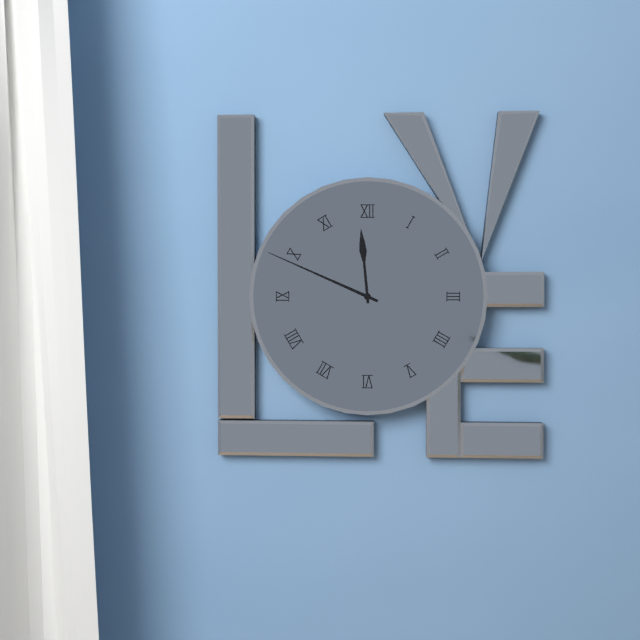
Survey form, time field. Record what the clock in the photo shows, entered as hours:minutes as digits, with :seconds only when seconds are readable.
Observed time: 11:49
